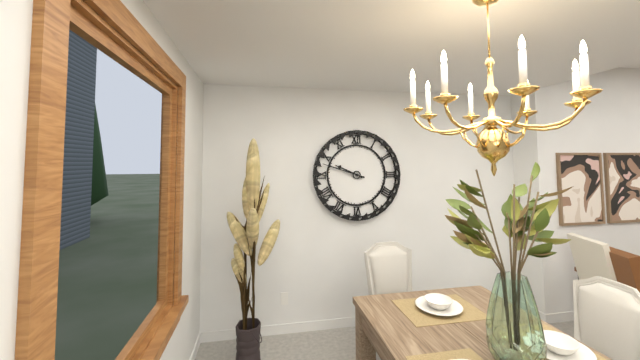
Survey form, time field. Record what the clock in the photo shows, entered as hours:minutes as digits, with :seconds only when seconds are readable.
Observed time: 9:48
